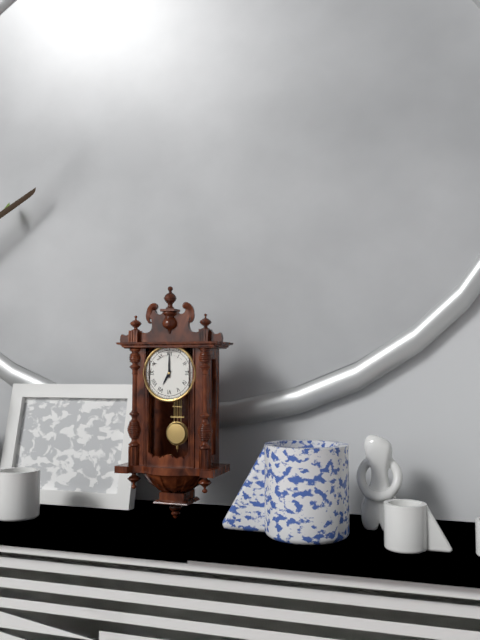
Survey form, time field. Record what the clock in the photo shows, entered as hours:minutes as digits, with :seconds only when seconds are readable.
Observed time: 7:00
